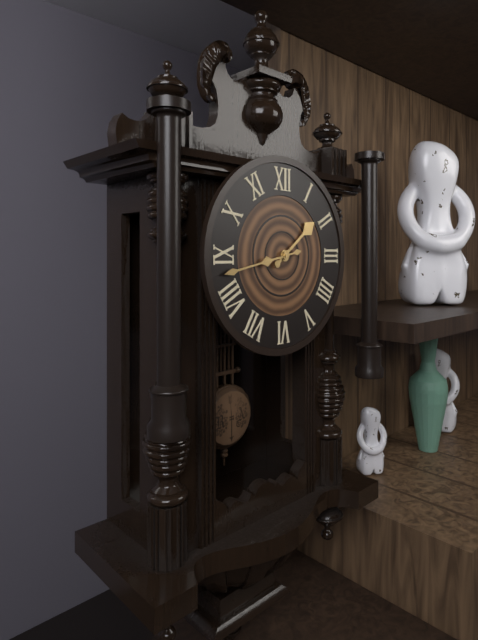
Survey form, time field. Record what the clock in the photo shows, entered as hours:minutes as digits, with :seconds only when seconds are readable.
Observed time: 1:43
